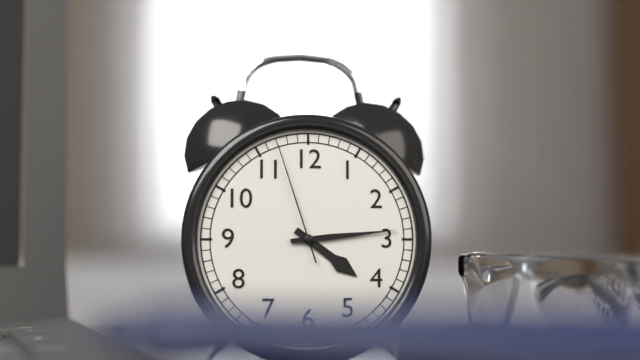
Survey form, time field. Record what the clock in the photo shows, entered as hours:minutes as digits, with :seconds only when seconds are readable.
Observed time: 4:14:57
